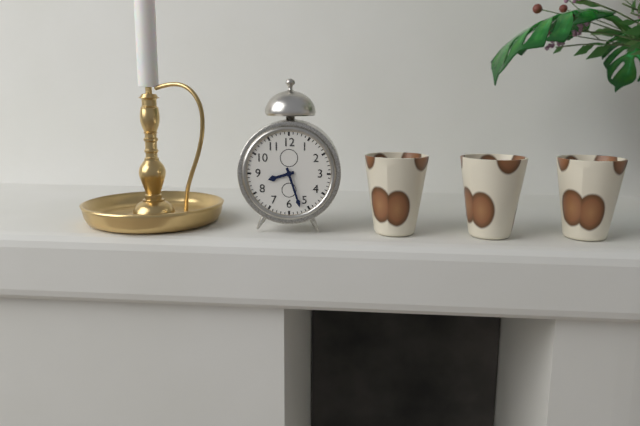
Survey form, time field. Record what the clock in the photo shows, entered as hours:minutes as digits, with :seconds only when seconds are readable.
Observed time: 8:27
